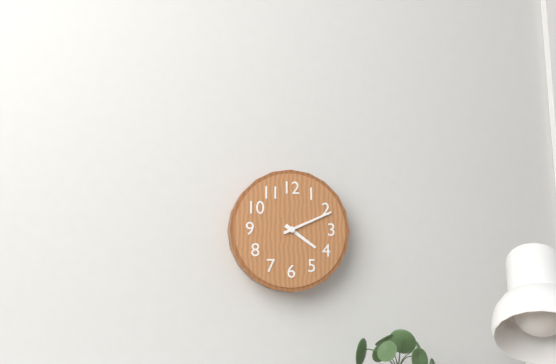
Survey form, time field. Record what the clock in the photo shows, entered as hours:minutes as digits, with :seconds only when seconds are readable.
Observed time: 4:11
